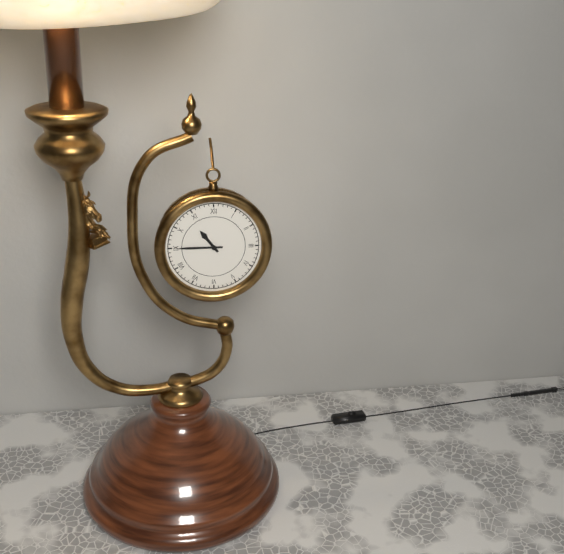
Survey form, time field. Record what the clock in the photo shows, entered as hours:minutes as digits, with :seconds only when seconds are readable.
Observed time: 10:45
